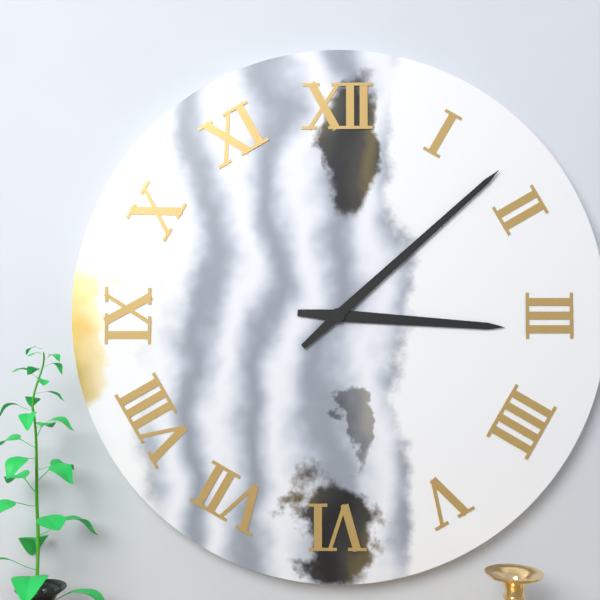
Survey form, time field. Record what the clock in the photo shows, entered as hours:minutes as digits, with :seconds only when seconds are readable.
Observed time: 3:08
